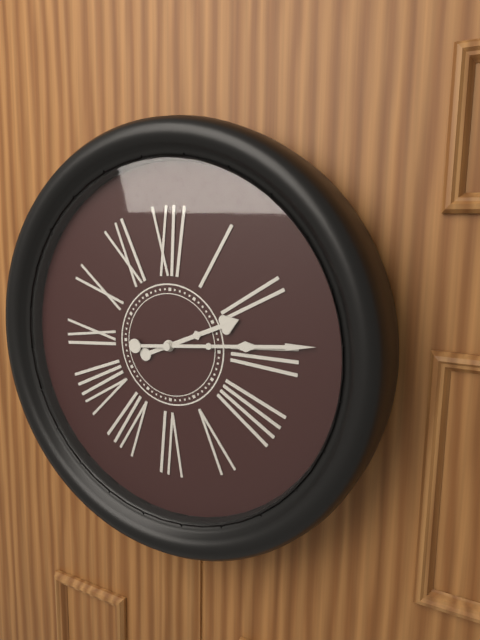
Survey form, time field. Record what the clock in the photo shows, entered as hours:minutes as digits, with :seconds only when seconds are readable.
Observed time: 2:14
